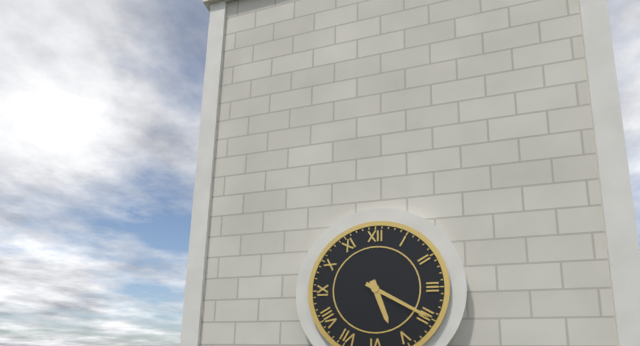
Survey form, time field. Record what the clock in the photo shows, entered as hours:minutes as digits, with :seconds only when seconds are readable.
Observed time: 5:20
